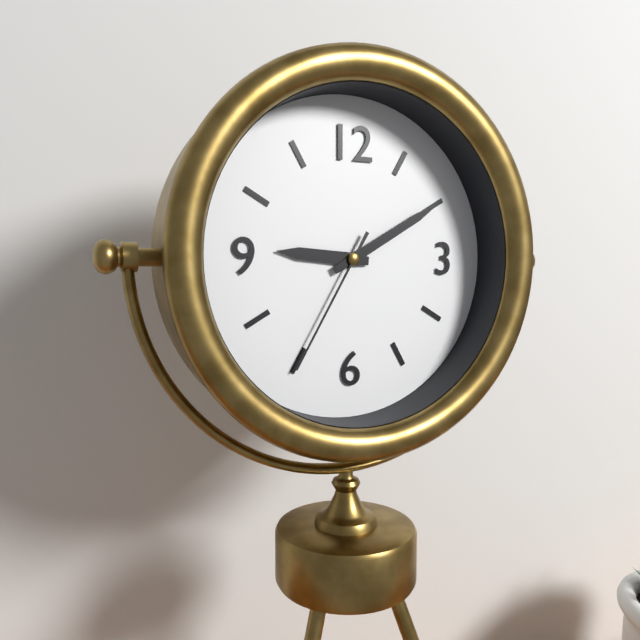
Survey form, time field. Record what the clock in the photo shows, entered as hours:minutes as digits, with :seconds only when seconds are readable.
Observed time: 9:10:35
